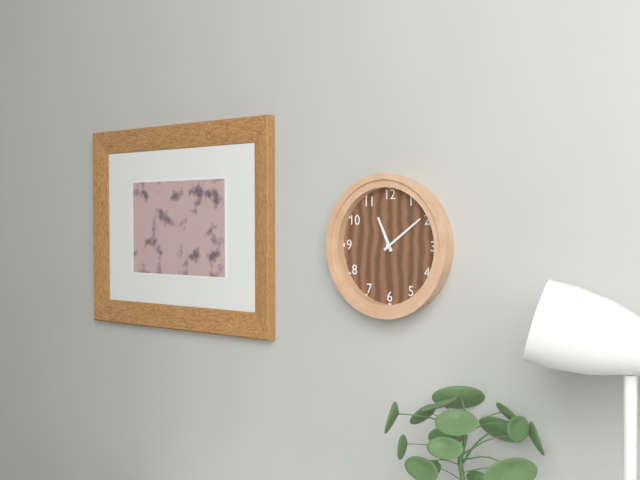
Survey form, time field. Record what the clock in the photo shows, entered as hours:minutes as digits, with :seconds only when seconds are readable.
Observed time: 11:09
